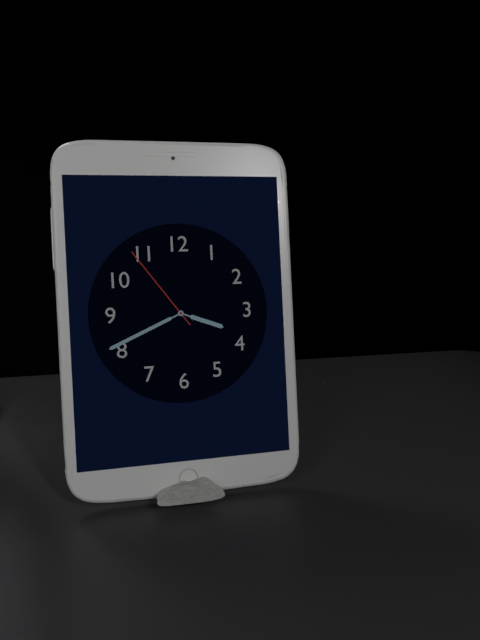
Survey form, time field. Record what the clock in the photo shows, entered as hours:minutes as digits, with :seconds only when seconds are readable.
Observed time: 3:41:54
